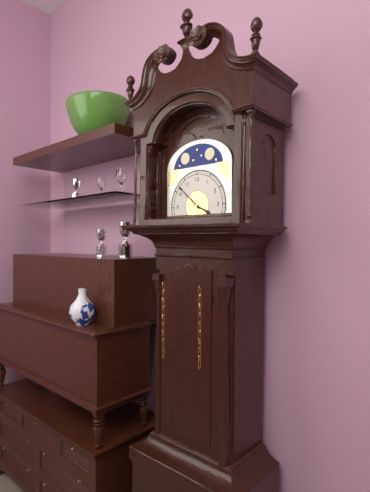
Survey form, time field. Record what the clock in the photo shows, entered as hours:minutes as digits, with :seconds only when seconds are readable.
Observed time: 3:52
